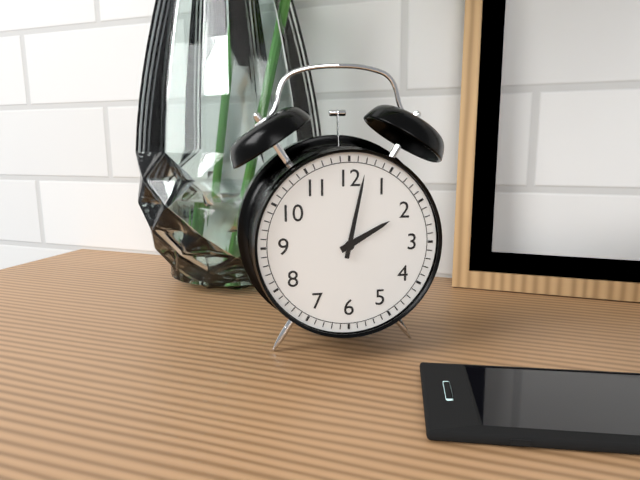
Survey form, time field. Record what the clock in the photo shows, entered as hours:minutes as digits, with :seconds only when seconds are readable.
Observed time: 2:02
